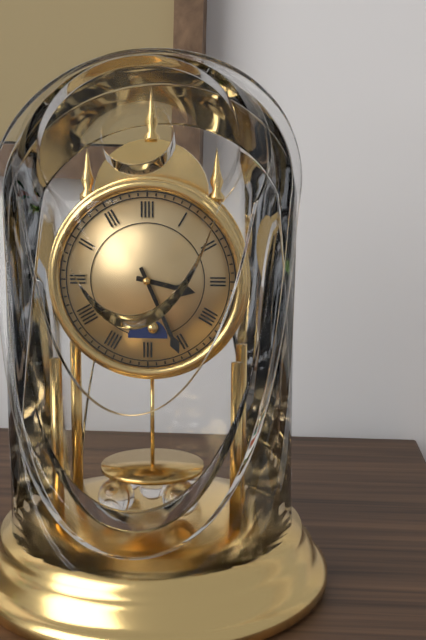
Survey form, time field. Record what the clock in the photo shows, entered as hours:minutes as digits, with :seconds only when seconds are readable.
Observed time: 3:26
